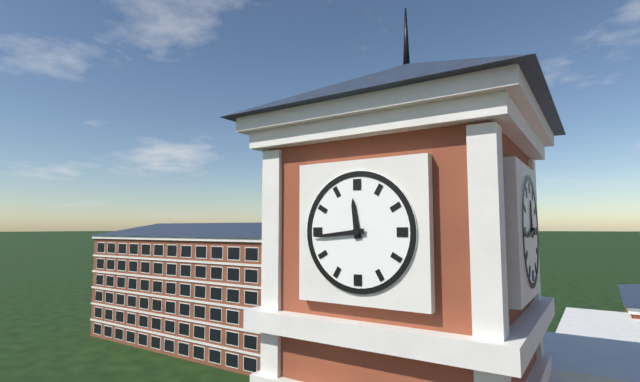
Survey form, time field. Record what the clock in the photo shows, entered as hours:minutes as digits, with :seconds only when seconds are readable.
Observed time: 11:44
